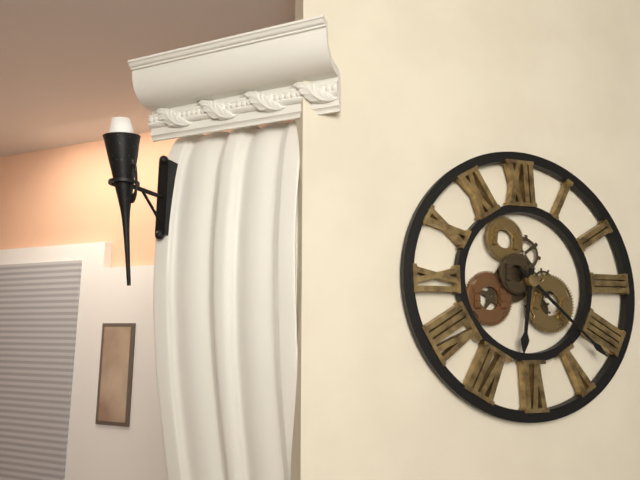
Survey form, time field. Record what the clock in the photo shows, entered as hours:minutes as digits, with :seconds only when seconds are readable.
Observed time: 6:22
